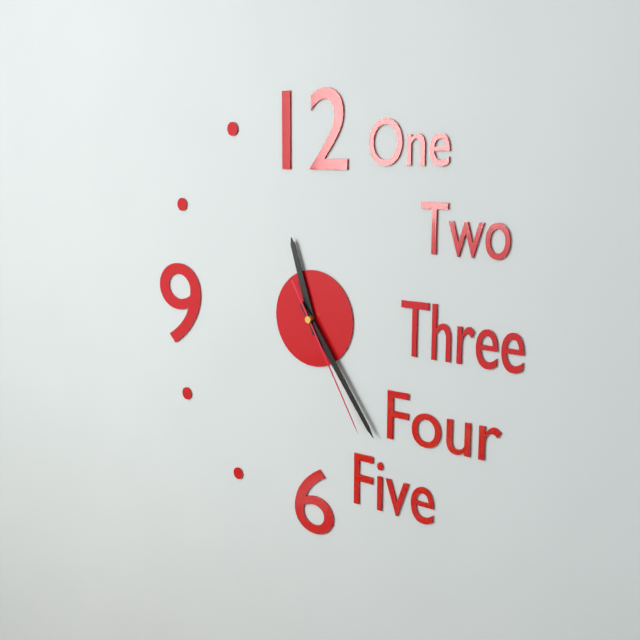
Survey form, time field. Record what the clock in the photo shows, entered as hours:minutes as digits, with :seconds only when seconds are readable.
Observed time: 11:24:25
